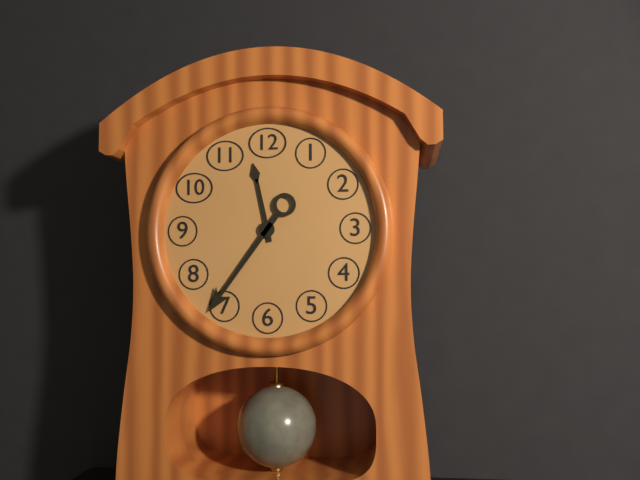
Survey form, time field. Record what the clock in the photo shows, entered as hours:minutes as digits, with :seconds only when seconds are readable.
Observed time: 11:36
